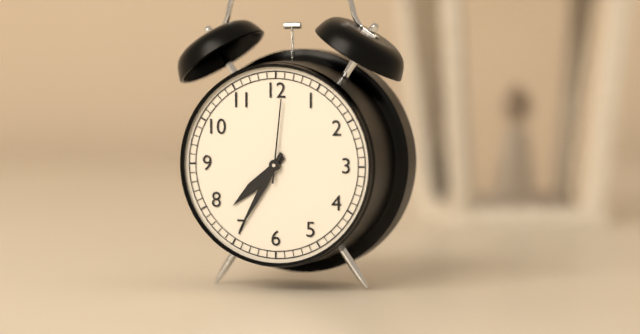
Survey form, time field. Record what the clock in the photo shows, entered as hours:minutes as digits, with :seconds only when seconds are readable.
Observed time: 7:35:01
